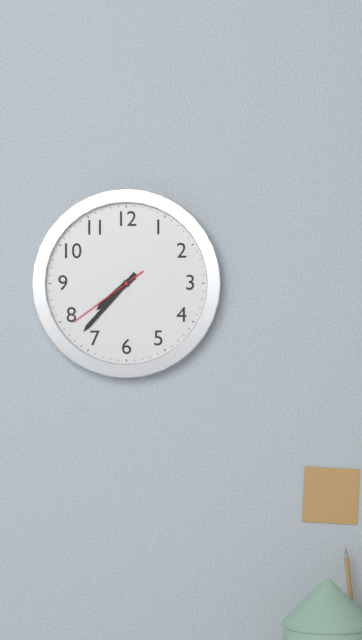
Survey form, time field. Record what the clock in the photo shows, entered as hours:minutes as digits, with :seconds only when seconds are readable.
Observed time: 7:37:39
